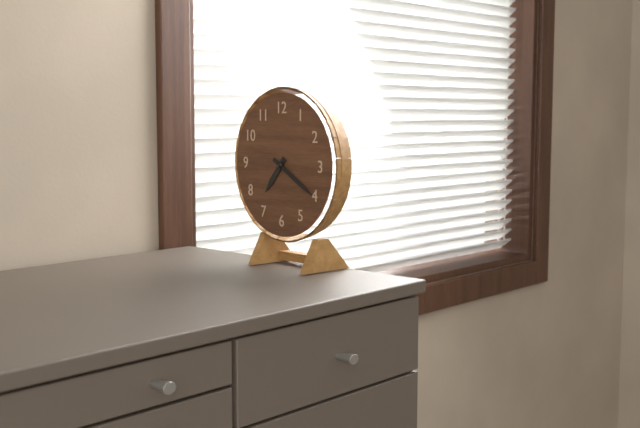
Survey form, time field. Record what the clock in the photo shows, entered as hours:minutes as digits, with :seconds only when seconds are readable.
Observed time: 7:20
